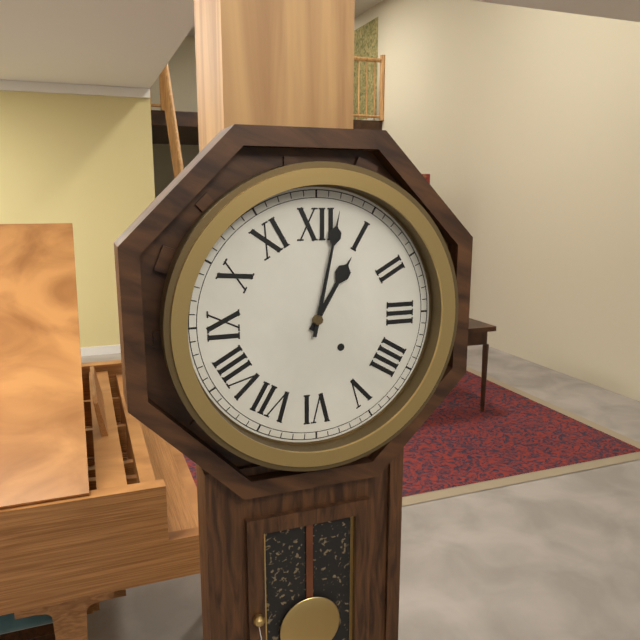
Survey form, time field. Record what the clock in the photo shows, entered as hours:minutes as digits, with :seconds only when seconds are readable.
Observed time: 1:02
